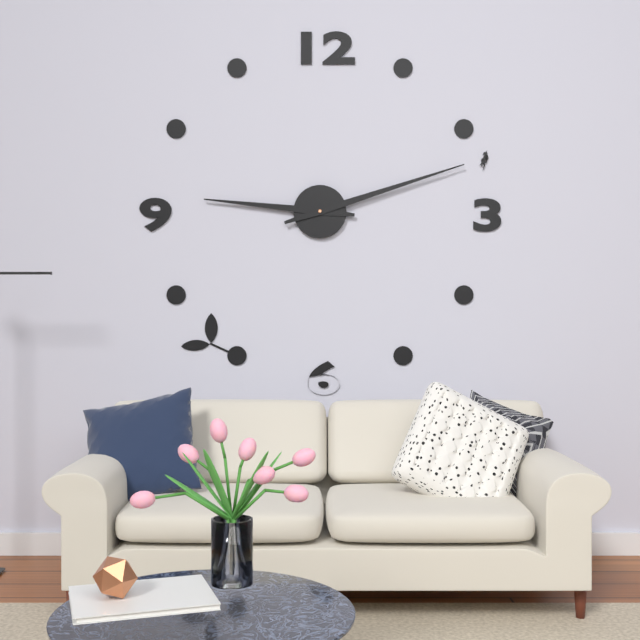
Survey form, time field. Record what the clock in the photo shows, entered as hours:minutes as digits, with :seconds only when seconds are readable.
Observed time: 9:12
